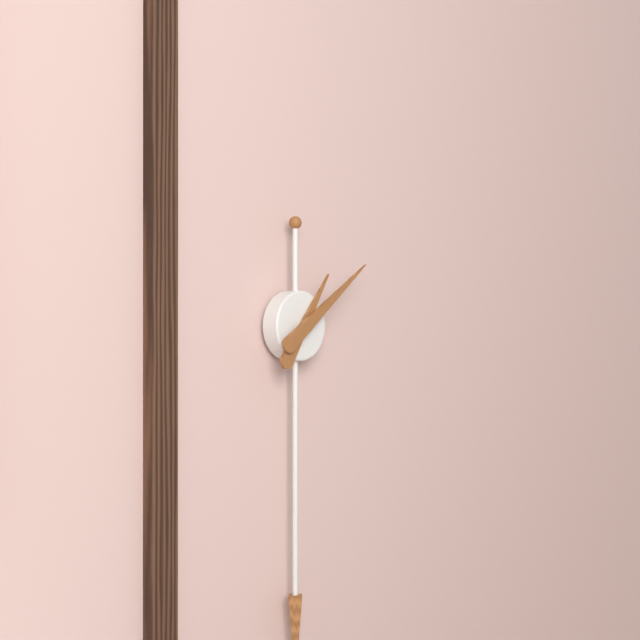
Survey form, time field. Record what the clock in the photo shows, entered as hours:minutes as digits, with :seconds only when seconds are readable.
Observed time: 1:09
